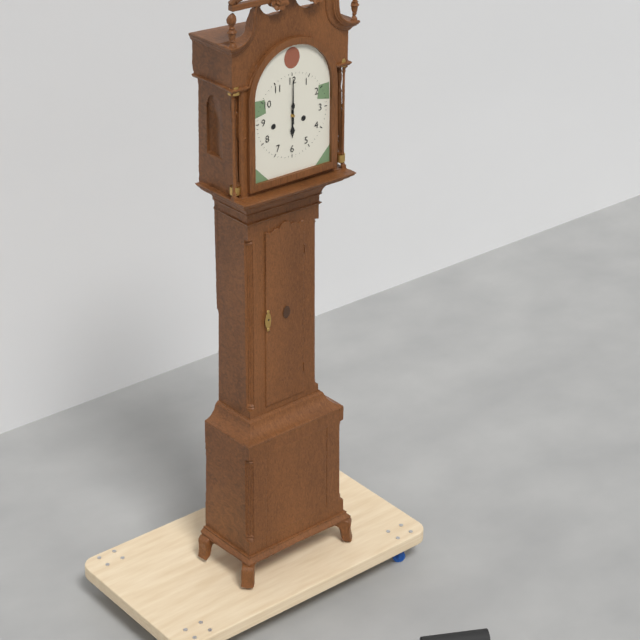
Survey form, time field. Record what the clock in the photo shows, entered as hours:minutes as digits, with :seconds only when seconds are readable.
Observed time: 6:00
